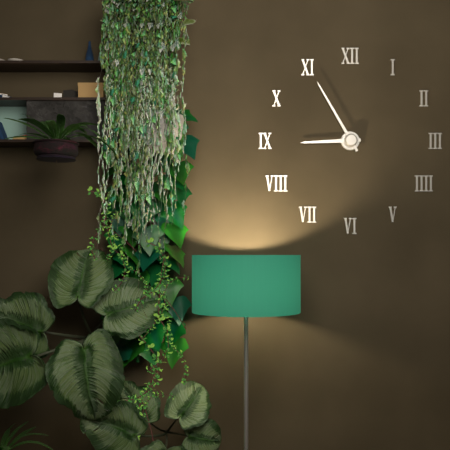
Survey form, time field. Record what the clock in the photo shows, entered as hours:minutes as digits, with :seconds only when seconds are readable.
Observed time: 8:55
